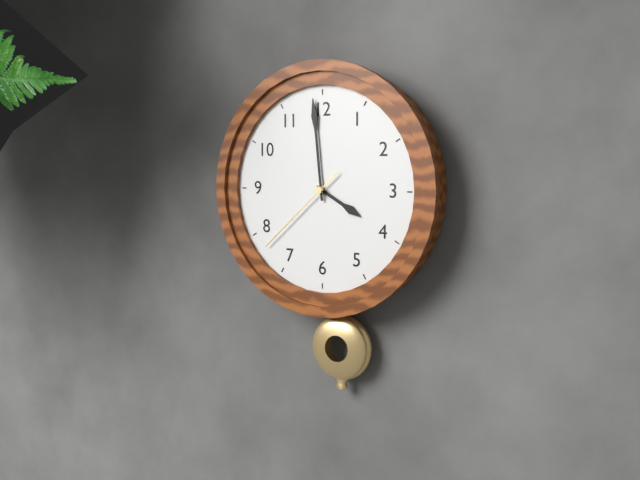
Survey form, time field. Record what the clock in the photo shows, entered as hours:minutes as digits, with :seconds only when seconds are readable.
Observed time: 3:59:38
